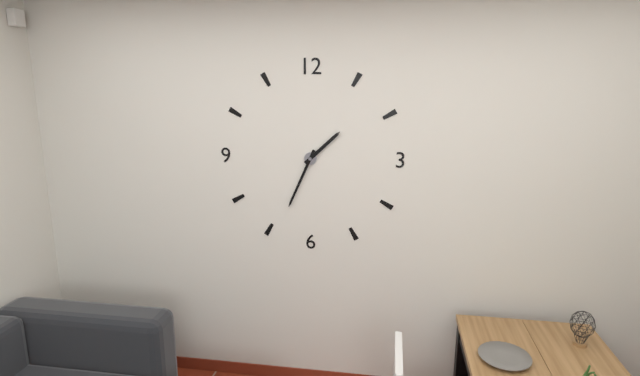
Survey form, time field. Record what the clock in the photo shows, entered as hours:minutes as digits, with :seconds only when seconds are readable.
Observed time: 1:34
